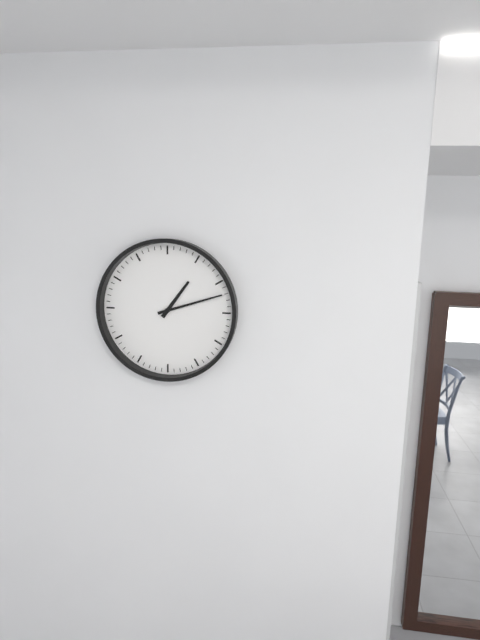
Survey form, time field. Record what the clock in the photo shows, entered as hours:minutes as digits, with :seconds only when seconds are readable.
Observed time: 1:12
